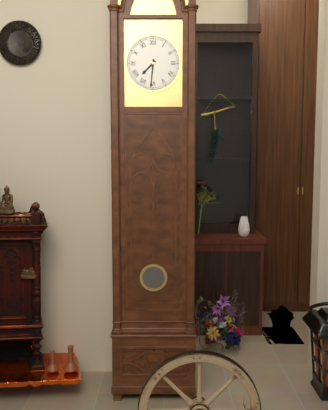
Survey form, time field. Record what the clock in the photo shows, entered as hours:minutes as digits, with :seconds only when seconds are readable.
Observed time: 7:31
